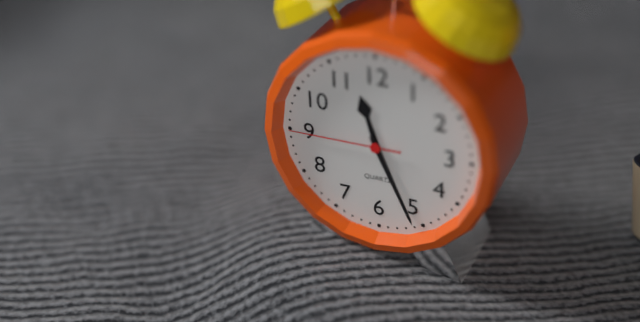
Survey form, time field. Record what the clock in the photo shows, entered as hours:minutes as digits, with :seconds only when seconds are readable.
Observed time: 11:26:45
